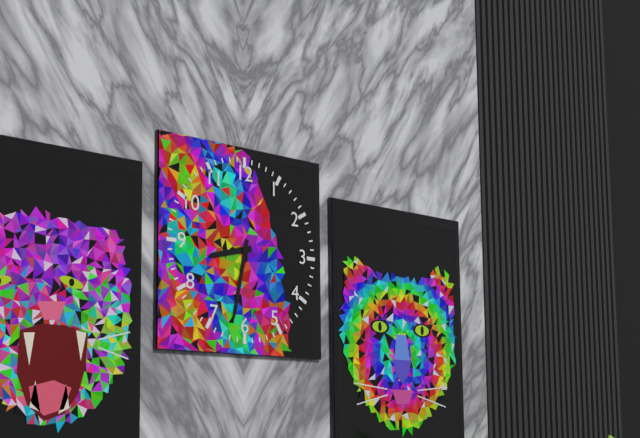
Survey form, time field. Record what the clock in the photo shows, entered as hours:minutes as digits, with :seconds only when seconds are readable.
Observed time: 8:32
